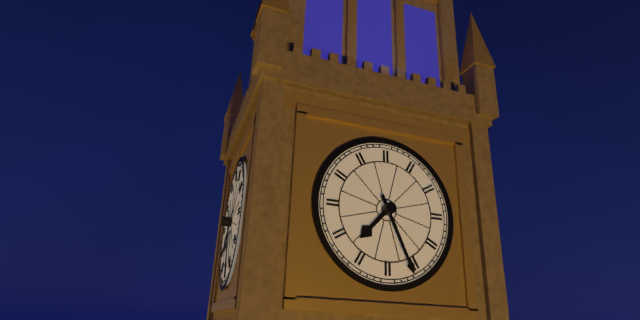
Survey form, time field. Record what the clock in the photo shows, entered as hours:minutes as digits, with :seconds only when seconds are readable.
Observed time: 7:26
